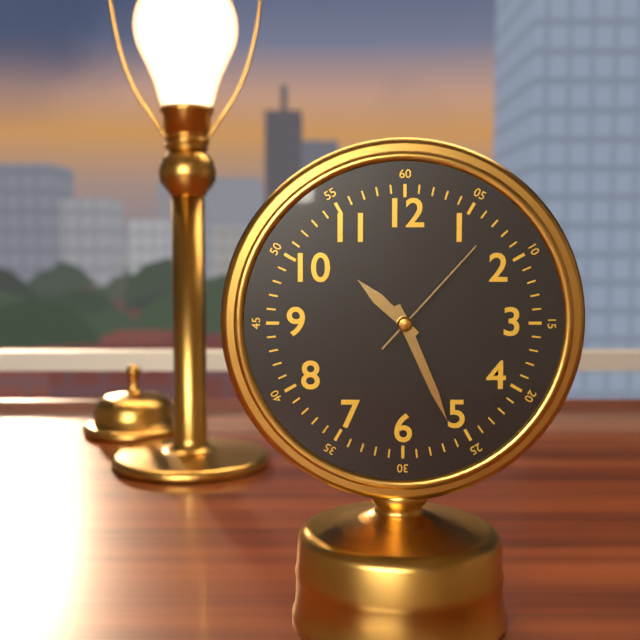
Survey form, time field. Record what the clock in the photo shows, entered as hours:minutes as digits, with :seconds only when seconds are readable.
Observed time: 10:26:07
